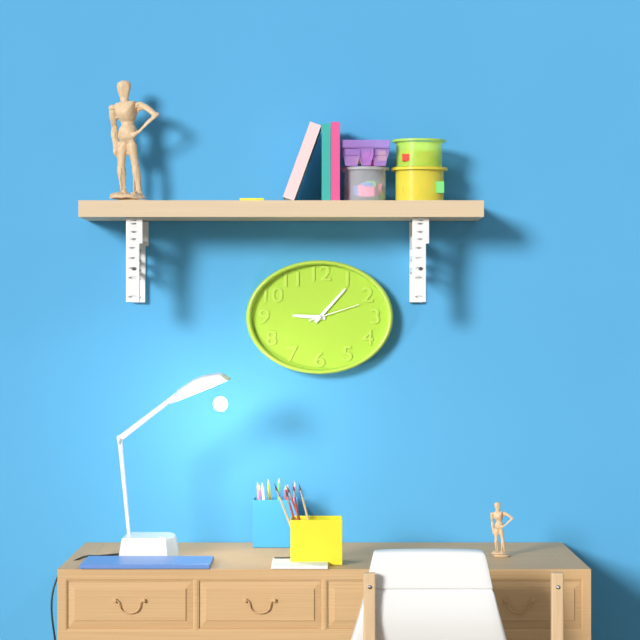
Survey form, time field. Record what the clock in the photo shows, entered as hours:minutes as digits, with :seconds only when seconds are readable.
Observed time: 9:07:12
